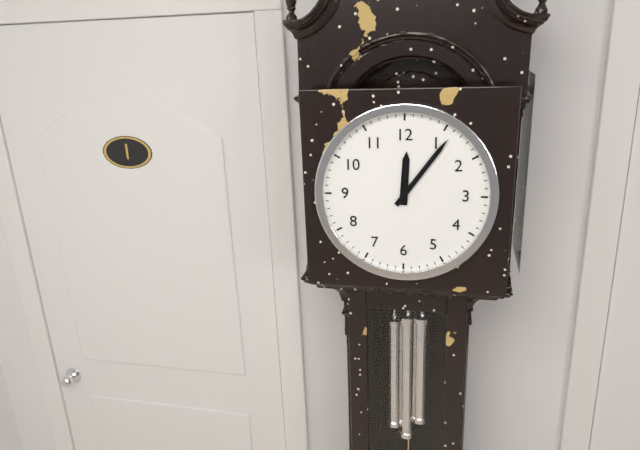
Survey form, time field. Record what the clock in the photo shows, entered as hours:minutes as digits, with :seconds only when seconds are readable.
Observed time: 12:06
